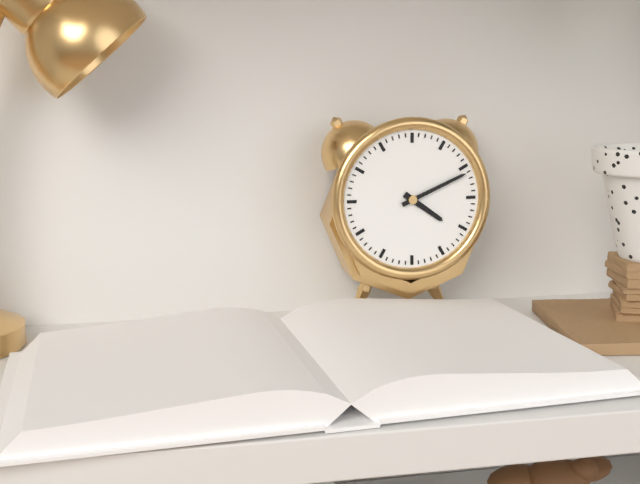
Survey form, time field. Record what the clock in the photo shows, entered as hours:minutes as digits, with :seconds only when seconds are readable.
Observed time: 4:11
